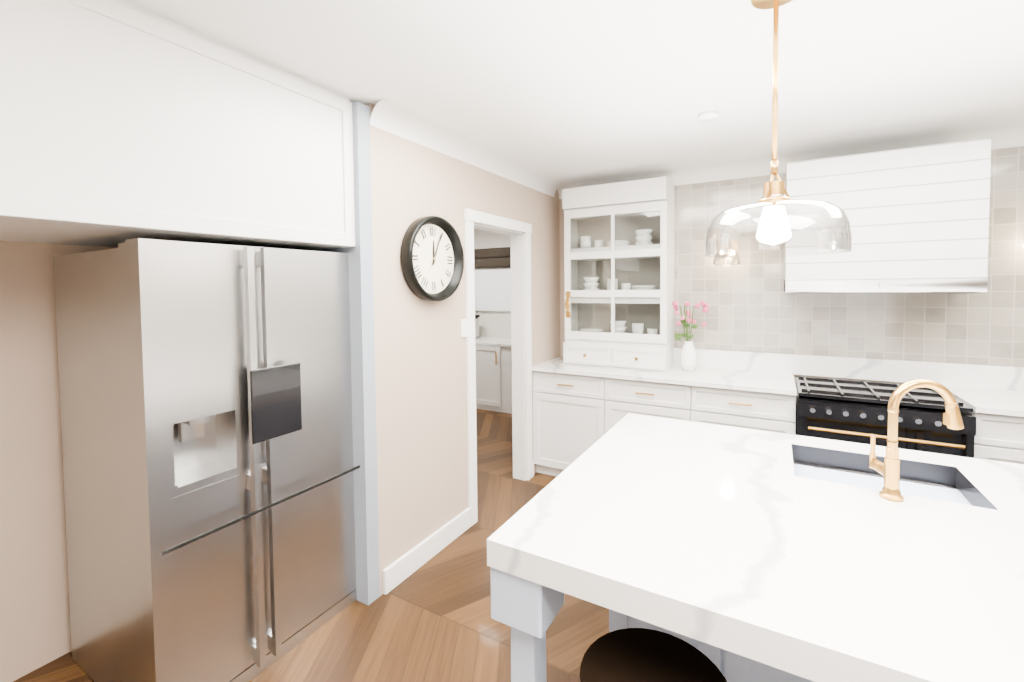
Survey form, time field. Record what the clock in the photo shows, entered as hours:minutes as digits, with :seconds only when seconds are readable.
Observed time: 12:04
